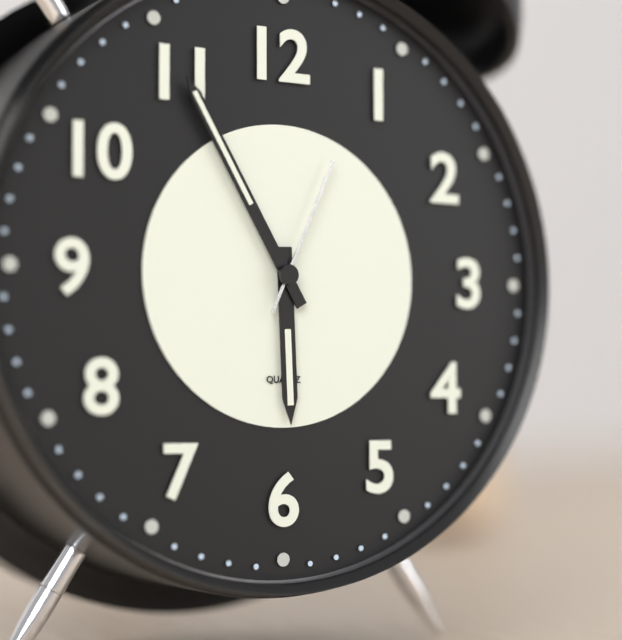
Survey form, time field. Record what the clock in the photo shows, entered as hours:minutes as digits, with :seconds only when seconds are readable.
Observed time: 5:55:04
